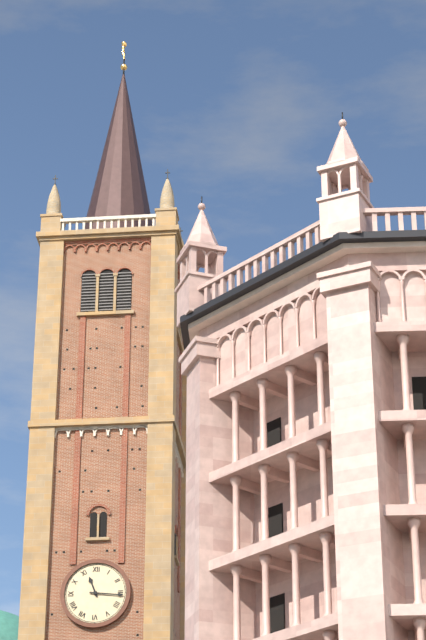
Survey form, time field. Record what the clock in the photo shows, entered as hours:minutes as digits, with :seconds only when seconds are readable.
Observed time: 11:16
